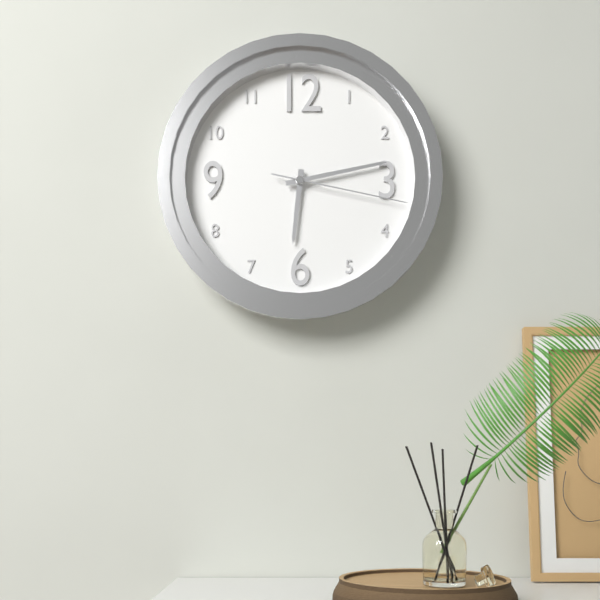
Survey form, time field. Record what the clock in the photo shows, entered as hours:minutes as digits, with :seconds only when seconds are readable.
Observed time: 6:13:17
